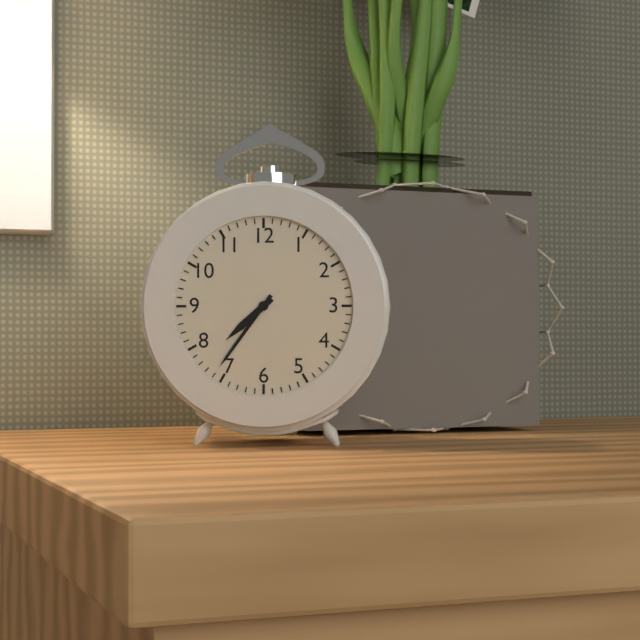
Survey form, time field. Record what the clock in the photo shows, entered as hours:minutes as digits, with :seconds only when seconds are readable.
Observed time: 7:36
